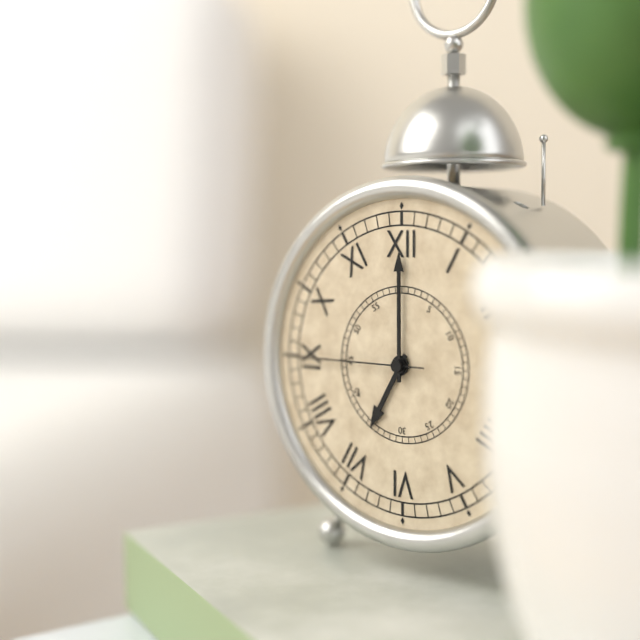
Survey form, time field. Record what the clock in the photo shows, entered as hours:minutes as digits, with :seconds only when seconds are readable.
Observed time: 7:00:45
